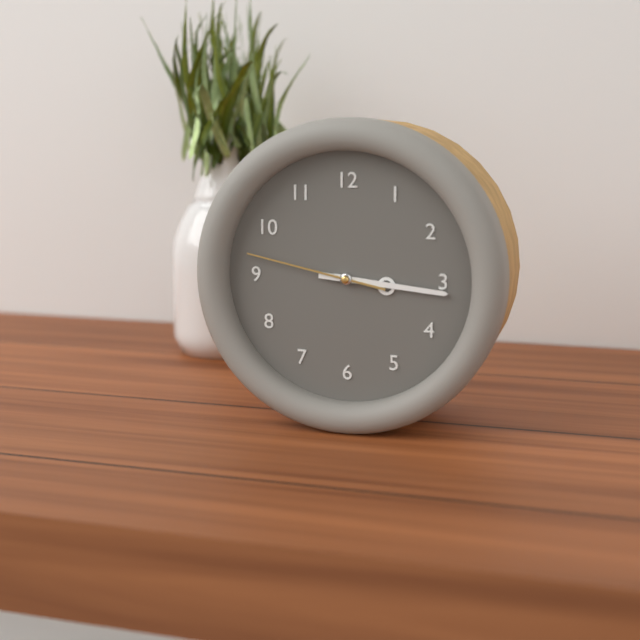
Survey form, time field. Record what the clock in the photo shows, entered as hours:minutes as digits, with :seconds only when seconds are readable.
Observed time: 3:16:47
